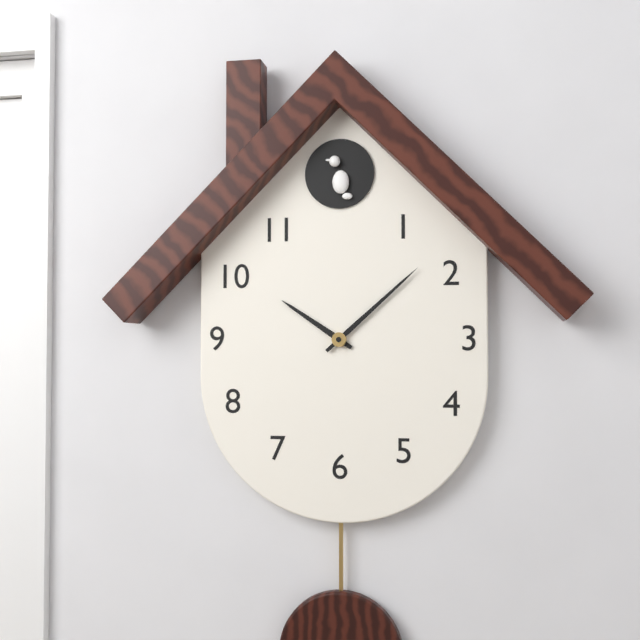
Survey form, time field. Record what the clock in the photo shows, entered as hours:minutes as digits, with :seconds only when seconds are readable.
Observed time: 10:08
